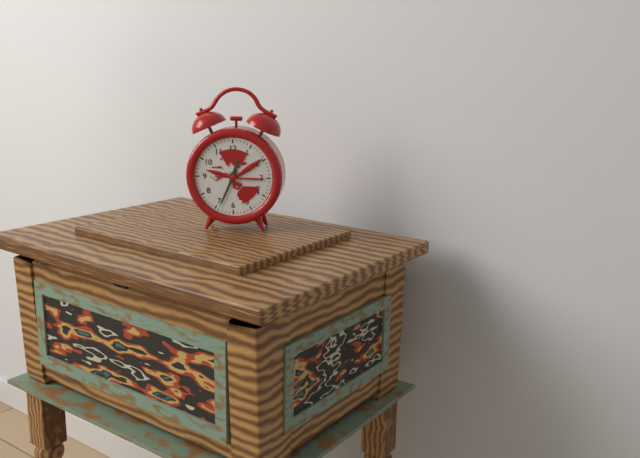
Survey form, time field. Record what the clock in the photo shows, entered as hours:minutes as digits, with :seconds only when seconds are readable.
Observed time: 12:34
